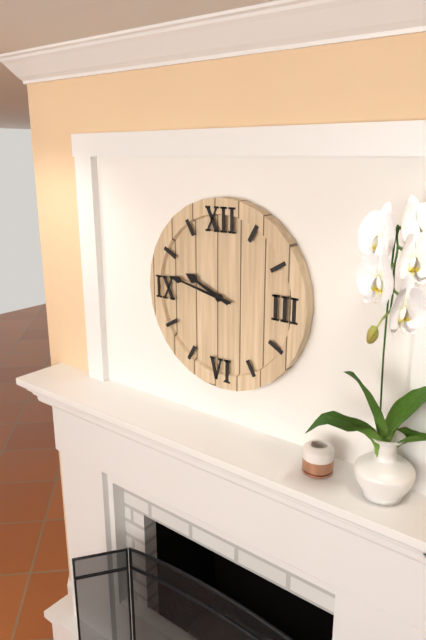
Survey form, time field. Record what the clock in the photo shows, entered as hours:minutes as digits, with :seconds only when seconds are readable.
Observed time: 9:47
